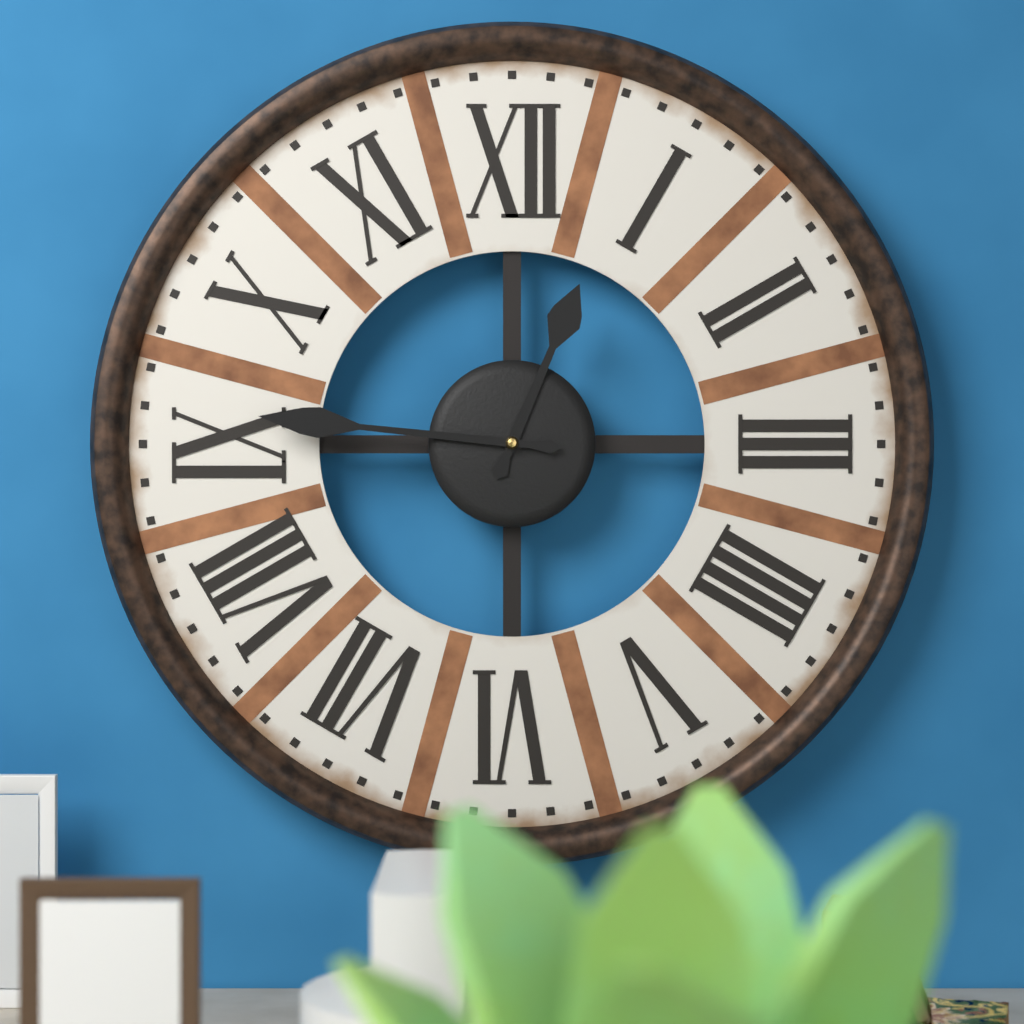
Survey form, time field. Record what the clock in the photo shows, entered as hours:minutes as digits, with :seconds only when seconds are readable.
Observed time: 12:46
